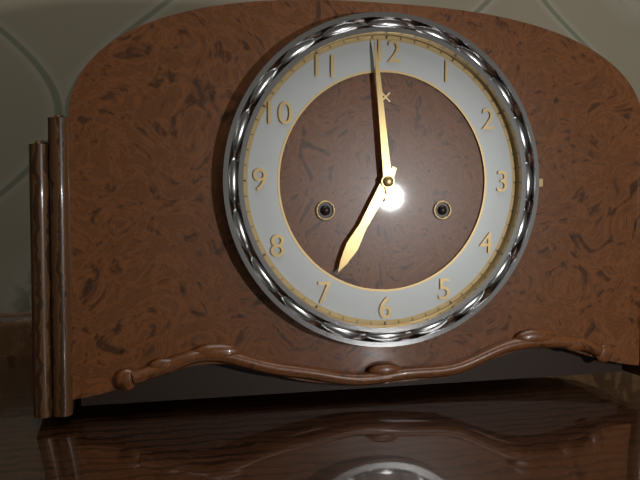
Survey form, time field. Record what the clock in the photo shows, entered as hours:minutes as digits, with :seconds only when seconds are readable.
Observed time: 6:59
